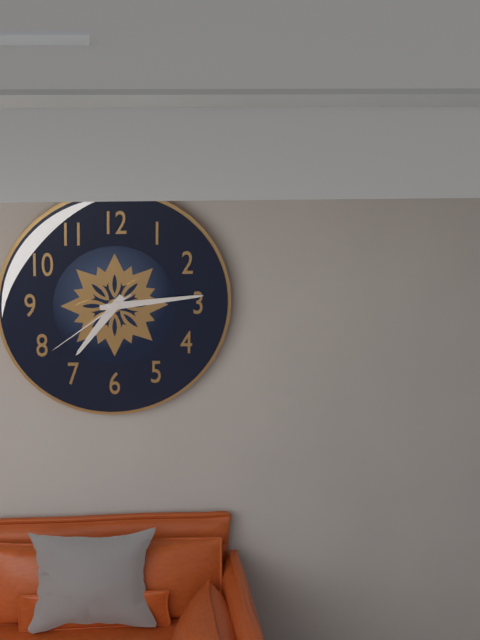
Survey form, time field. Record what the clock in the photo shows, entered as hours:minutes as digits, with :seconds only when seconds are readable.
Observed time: 7:14:39
